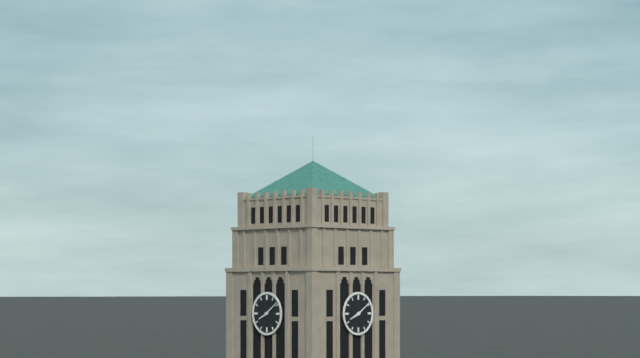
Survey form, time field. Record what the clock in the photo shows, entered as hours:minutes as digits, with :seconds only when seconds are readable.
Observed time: 8:09
